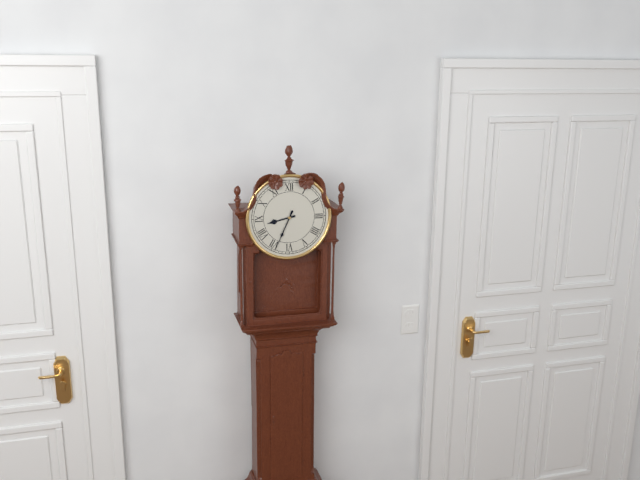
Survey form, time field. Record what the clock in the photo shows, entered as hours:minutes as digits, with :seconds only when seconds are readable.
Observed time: 8:34
